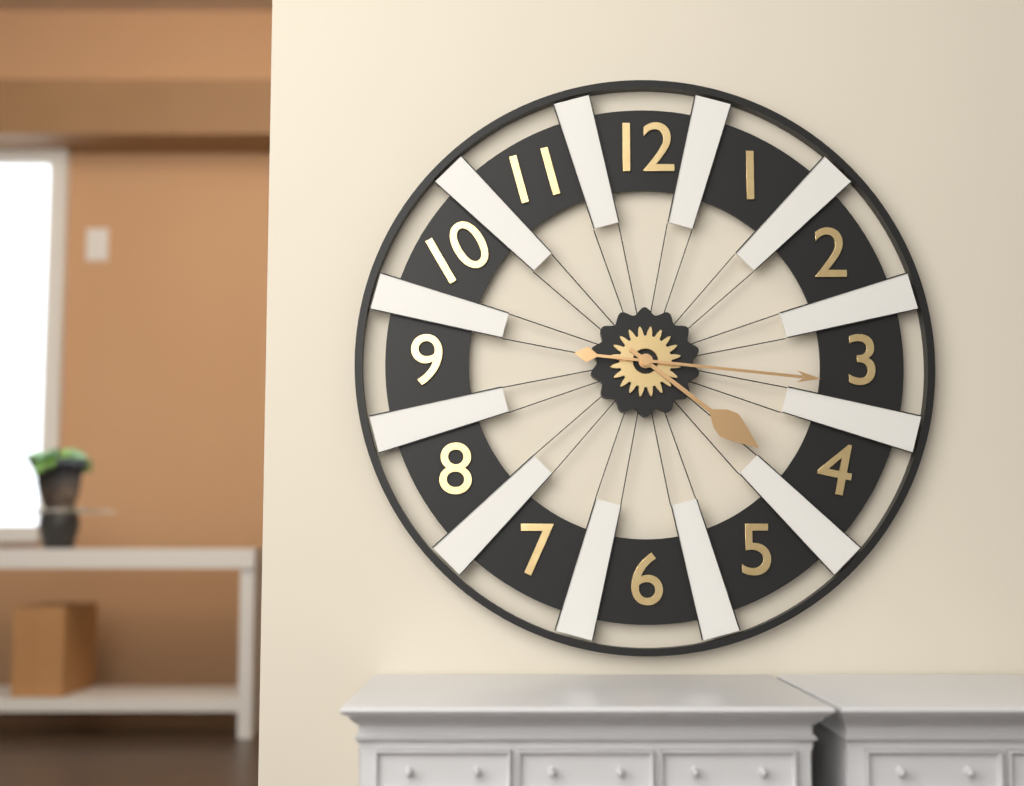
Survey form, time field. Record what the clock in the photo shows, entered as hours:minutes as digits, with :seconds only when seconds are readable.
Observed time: 4:16
